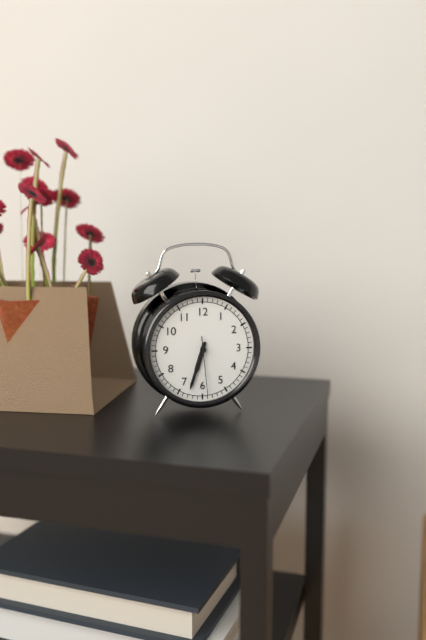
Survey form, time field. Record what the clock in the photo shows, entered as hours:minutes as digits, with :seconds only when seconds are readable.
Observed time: 6:33:29
